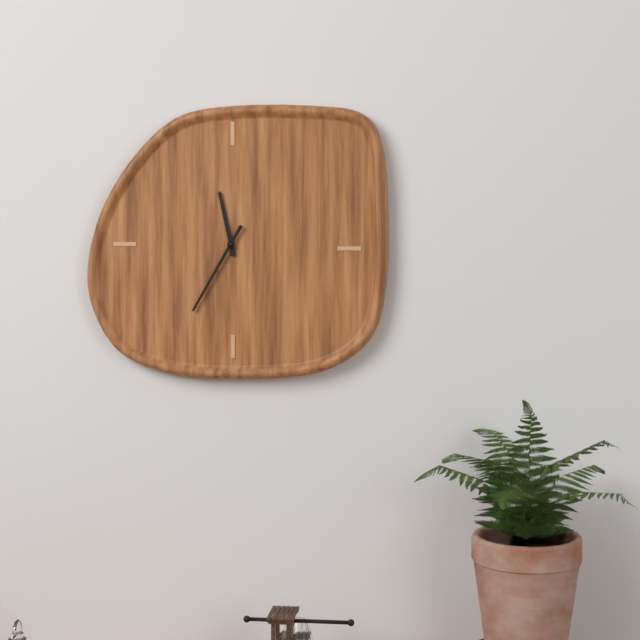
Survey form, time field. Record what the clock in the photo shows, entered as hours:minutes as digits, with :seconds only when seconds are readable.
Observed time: 11:35
